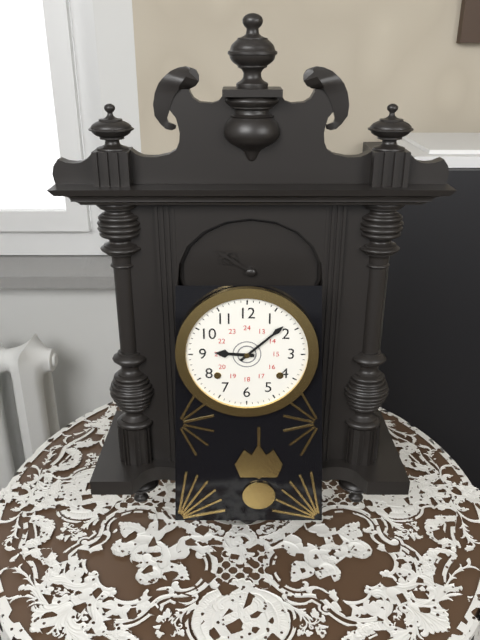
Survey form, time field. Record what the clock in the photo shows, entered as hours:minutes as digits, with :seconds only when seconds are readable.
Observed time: 9:08
